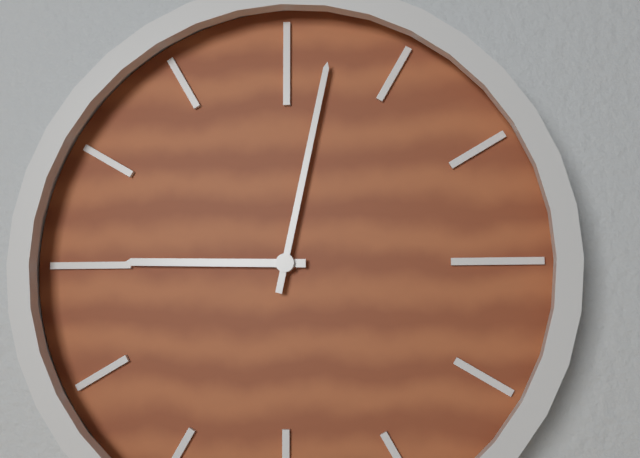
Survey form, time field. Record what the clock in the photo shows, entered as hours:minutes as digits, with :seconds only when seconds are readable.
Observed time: 9:02
